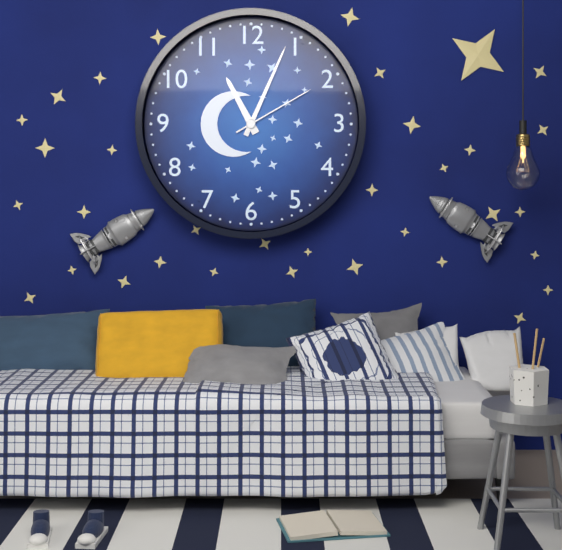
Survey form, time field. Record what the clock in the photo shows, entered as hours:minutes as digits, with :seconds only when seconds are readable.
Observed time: 11:04:10
